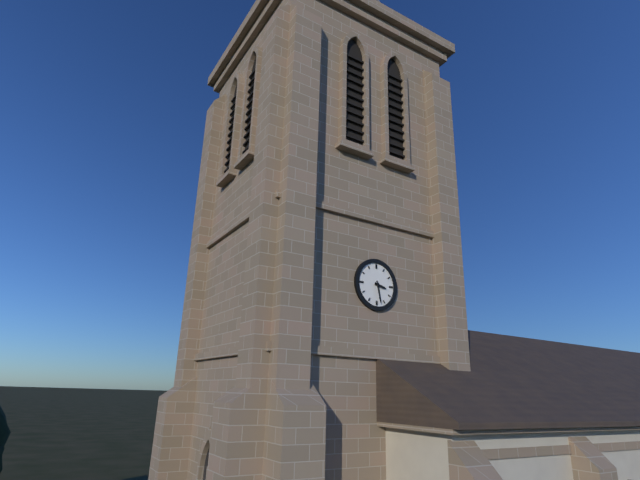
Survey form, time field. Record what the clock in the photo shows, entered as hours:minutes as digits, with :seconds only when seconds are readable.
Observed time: 3:28
